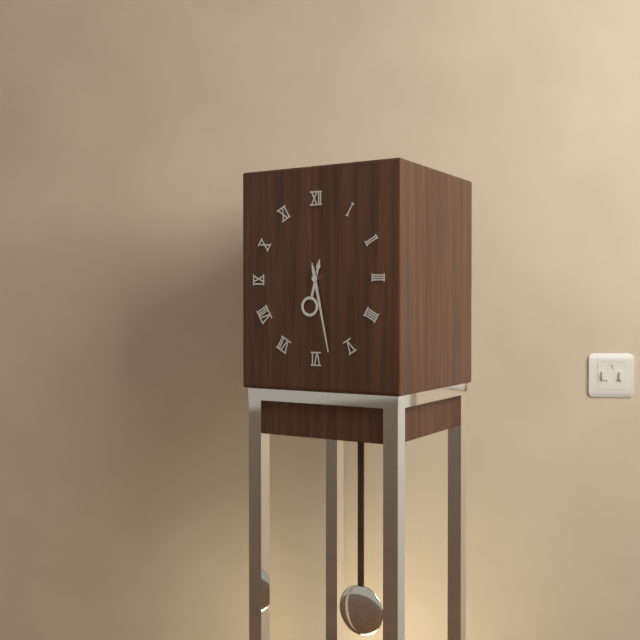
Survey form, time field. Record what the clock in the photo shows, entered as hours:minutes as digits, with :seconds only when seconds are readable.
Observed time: 6:28
